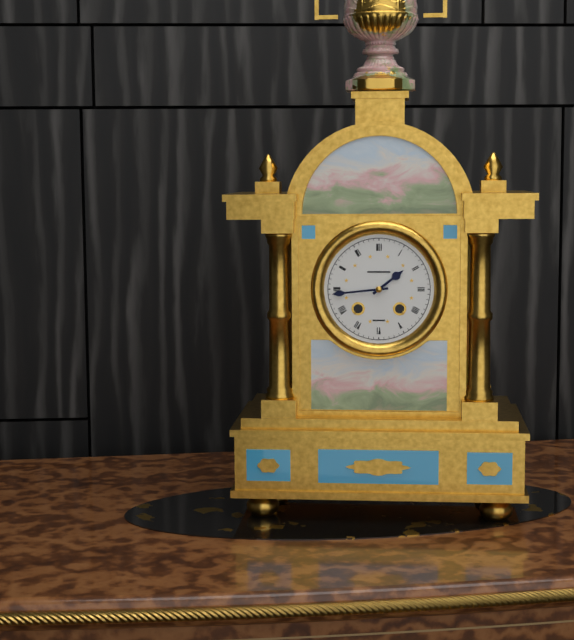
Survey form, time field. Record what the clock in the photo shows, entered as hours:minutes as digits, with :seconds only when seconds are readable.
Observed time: 1:44
